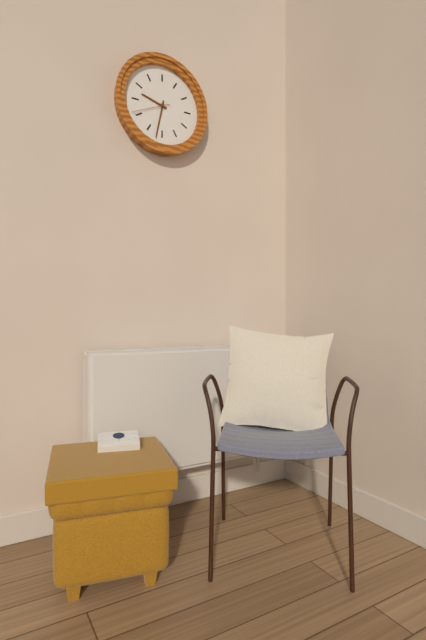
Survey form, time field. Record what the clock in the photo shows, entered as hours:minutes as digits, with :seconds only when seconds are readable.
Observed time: 9:32
